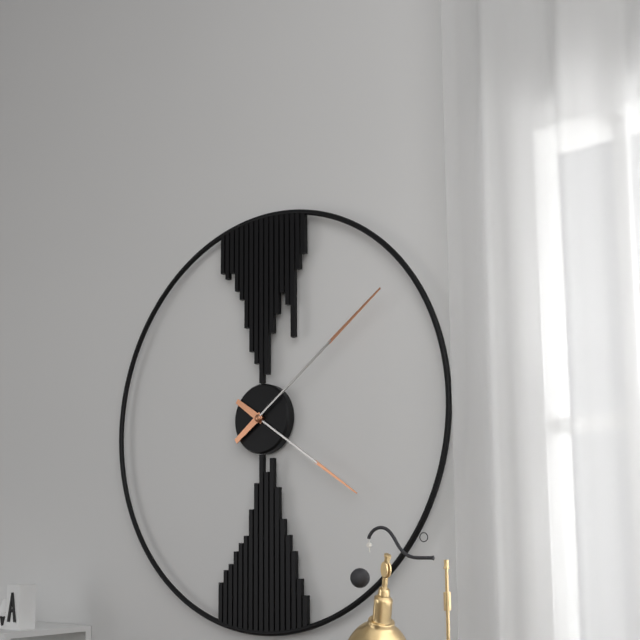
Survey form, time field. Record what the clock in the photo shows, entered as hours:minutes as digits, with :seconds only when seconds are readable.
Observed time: 4:09
